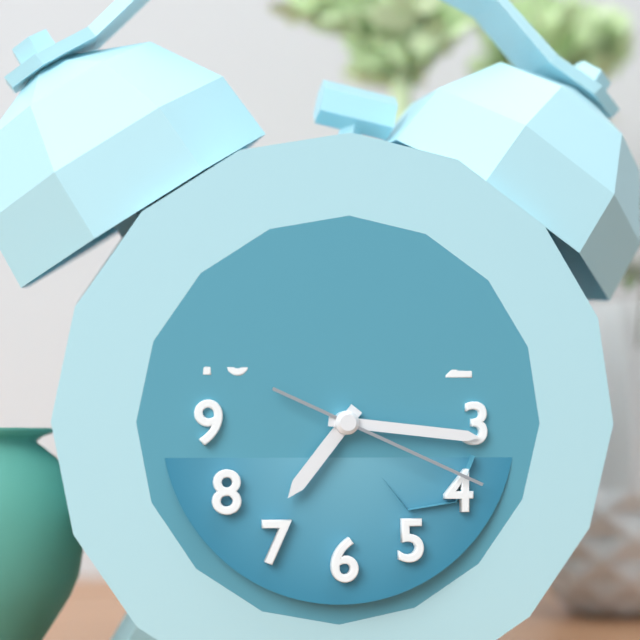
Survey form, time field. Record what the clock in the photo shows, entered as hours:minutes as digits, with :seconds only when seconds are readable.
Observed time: 7:16:19
